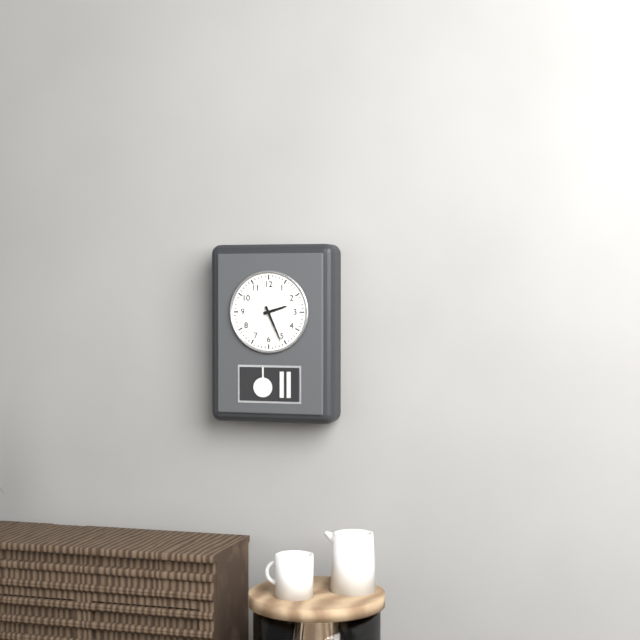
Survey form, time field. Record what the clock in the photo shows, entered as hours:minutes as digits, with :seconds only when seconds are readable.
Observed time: 2:26
